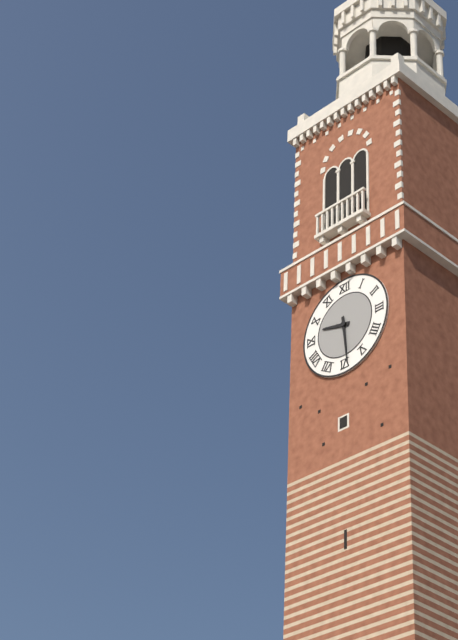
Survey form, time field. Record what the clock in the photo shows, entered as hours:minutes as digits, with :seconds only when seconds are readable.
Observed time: 9:29
